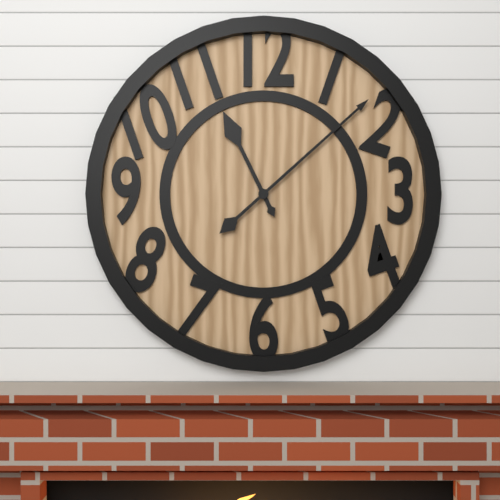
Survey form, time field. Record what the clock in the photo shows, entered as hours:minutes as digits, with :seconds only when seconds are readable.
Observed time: 11:08
